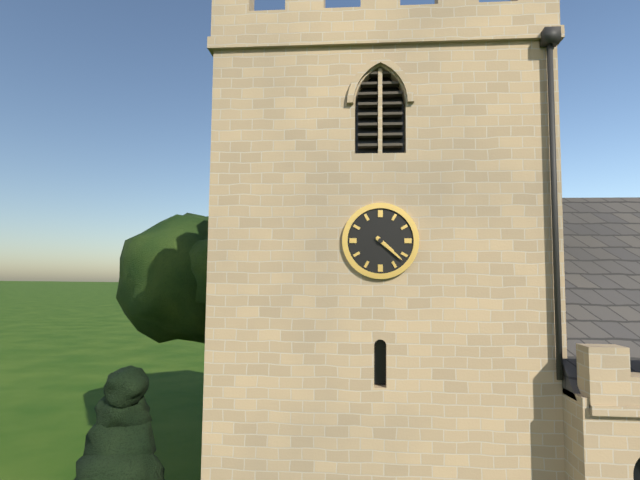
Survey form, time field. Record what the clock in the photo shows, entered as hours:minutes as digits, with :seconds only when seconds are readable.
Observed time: 4:22
